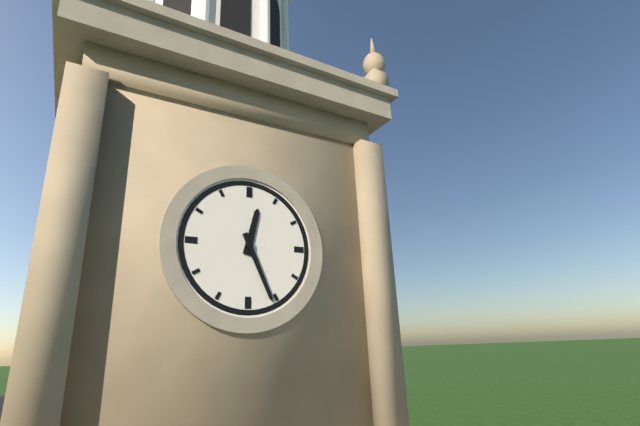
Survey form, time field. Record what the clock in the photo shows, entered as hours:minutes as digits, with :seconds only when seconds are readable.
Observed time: 12:26
